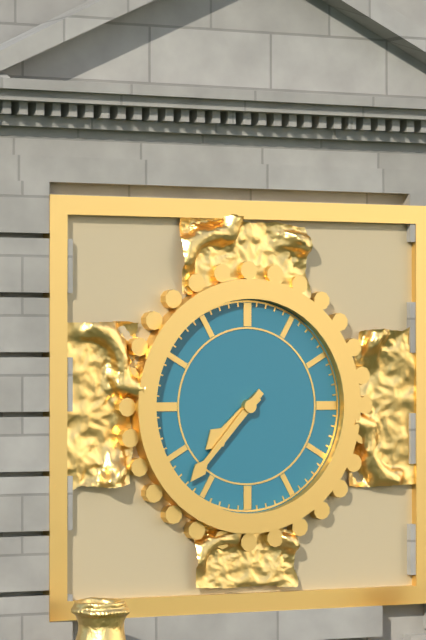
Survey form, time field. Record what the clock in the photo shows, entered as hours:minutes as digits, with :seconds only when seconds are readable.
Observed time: 7:37
